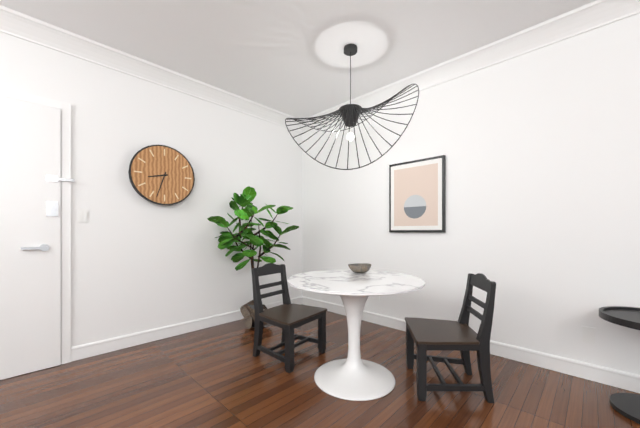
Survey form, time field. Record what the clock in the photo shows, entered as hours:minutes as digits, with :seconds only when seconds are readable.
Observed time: 8:33
